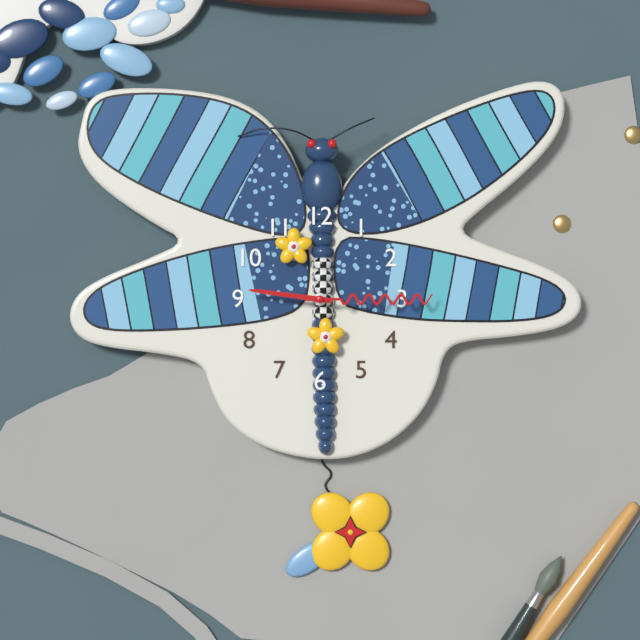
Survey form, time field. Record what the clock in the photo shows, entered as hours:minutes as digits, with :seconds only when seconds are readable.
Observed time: 9:15
